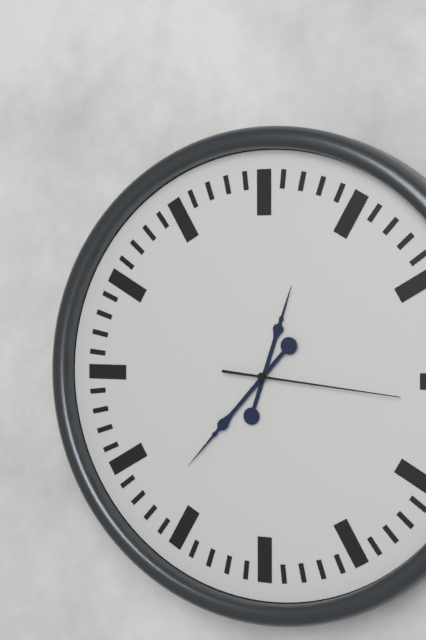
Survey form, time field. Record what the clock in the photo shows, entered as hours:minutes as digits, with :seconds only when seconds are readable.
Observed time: 12:37:16
